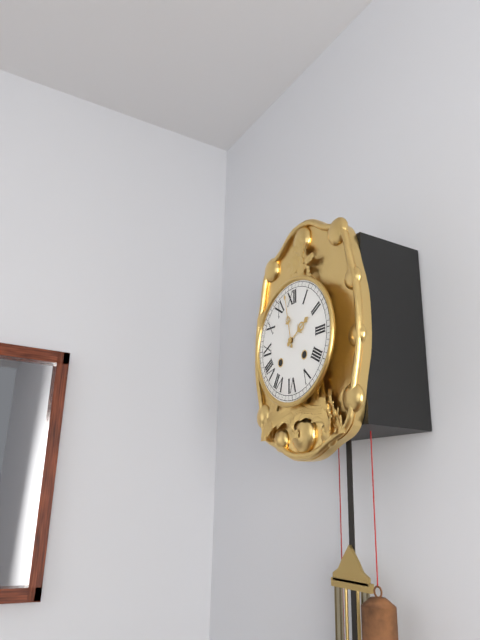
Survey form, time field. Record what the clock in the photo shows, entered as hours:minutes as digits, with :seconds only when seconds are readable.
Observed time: 1:58
